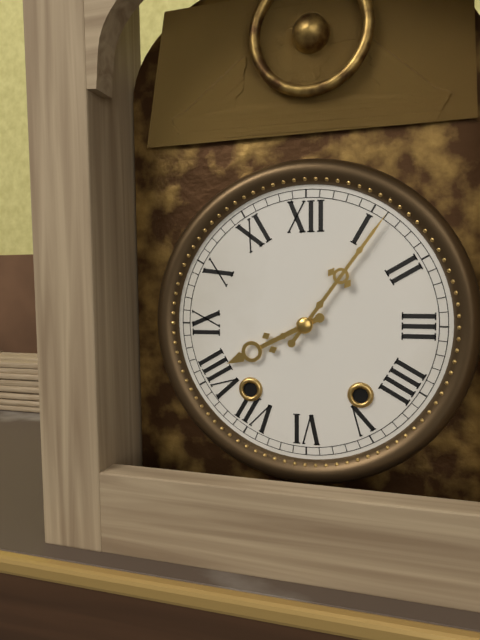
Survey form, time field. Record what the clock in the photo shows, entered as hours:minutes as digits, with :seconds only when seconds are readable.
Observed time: 8:06
